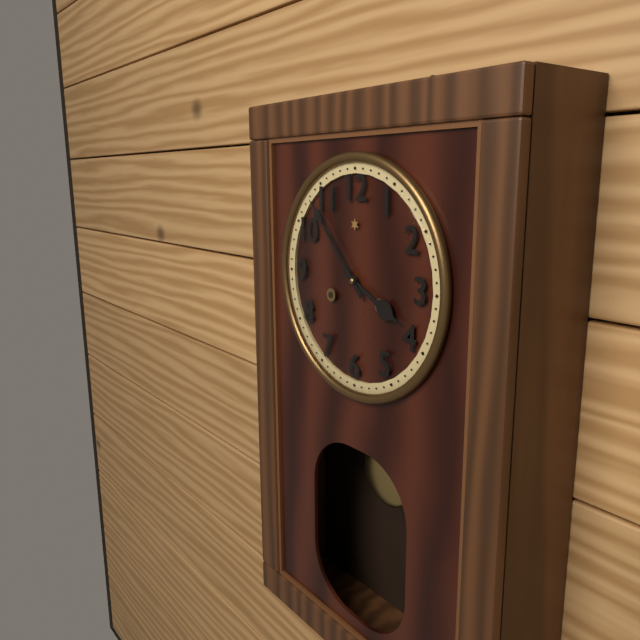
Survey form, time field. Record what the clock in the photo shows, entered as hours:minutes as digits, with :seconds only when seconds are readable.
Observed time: 3:53
